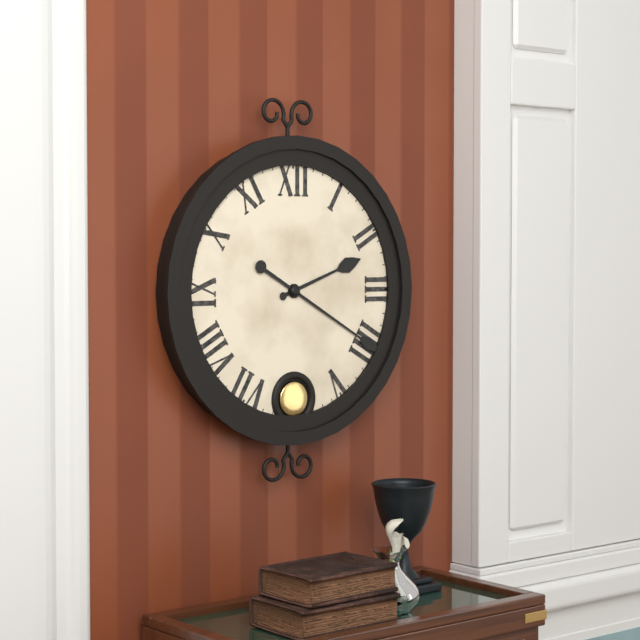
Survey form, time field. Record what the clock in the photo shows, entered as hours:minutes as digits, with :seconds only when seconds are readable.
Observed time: 2:20
